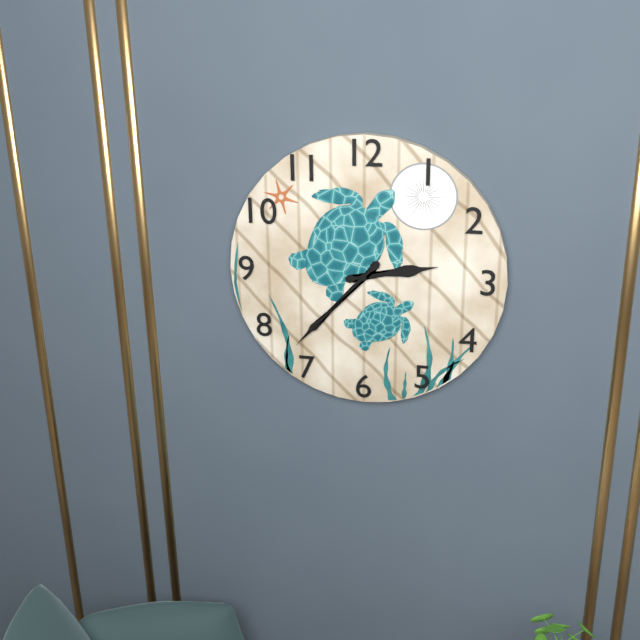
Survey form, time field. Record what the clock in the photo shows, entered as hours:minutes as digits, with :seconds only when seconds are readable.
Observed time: 2:37
